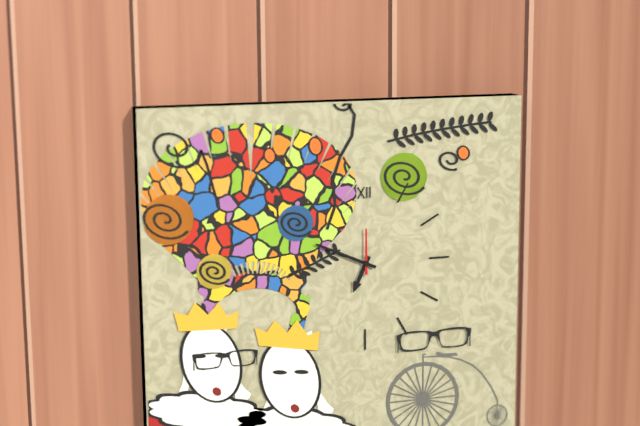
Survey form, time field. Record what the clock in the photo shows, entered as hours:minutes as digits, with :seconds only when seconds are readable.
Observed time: 6:49
